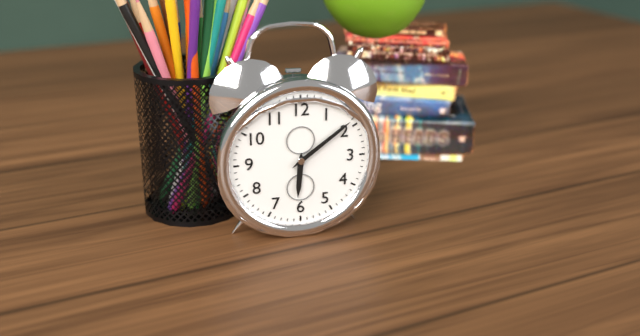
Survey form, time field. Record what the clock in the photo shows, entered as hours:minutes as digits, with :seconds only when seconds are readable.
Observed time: 6:09
